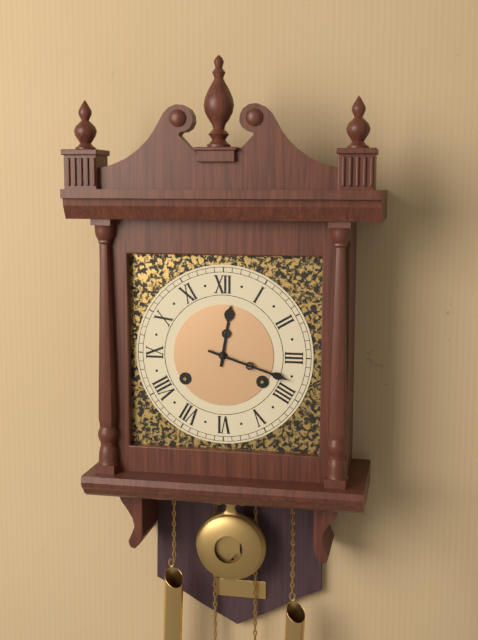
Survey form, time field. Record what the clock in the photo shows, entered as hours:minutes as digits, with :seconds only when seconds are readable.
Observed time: 12:18
